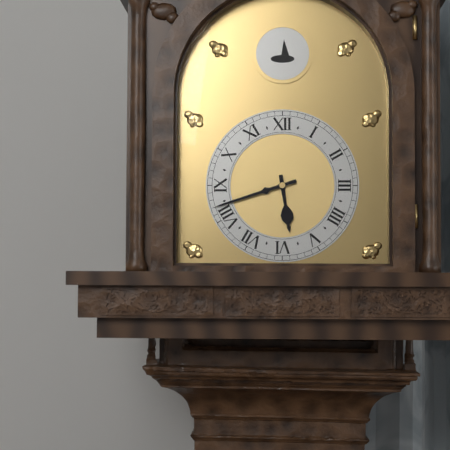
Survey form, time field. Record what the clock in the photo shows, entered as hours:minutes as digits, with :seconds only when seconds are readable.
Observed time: 5:42
